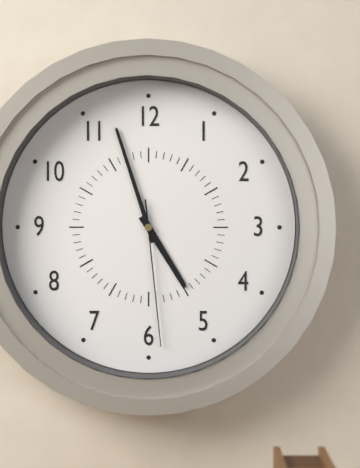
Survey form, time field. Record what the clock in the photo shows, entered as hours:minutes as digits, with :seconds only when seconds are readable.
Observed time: 4:57:29
